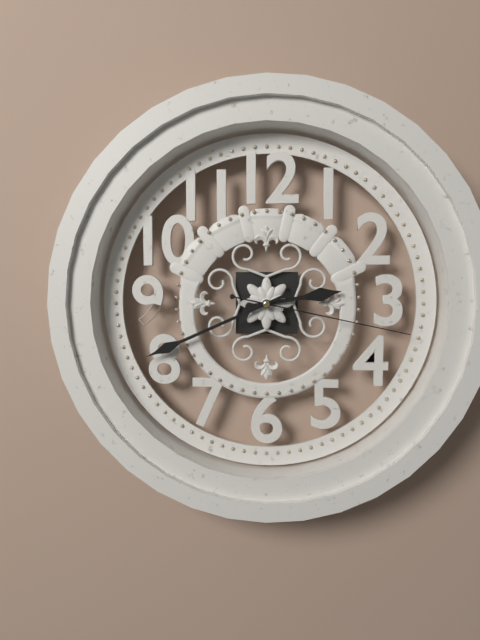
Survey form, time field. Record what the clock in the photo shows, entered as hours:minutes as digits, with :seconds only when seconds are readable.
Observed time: 2:41:17
